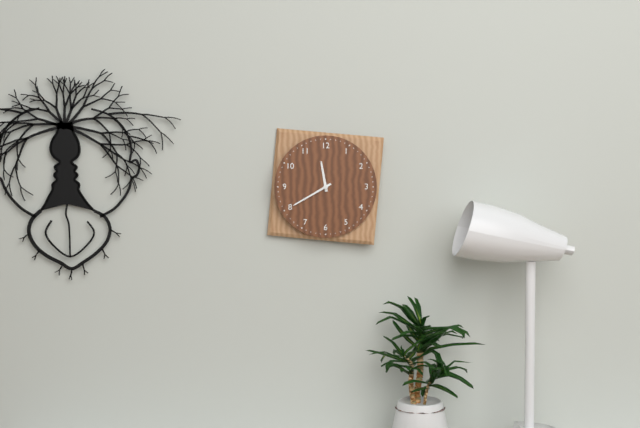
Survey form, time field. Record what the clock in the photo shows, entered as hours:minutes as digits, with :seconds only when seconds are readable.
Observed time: 11:40
